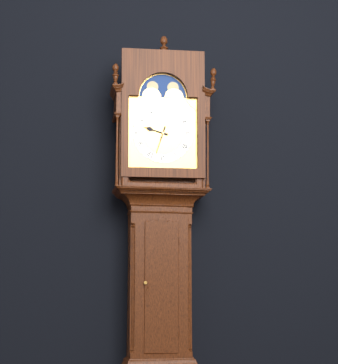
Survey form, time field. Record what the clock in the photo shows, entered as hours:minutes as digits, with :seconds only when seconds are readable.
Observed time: 9:33
